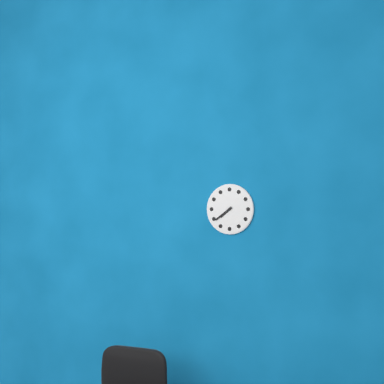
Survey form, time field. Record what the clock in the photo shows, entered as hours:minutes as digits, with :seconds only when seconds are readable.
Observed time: 7:39
